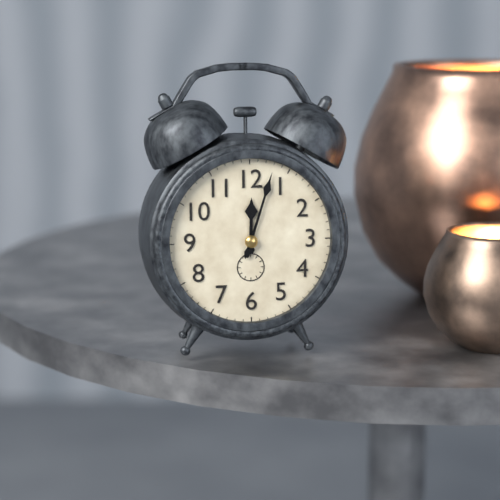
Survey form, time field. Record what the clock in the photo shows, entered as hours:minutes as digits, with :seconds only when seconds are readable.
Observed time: 12:03
